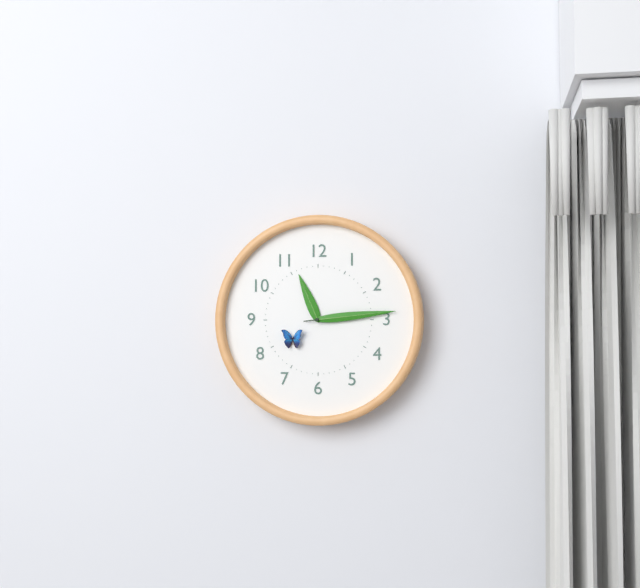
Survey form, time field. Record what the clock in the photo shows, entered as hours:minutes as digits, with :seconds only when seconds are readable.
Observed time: 11:14
